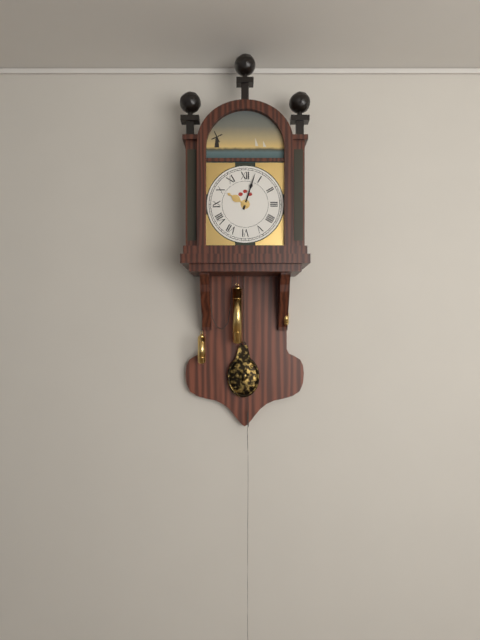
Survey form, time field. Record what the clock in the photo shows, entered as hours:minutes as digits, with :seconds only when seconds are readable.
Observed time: 10:03
